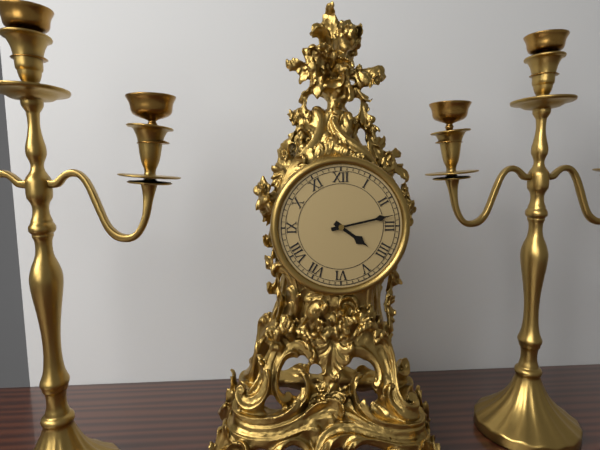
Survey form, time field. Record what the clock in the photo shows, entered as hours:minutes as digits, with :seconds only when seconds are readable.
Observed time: 4:13
